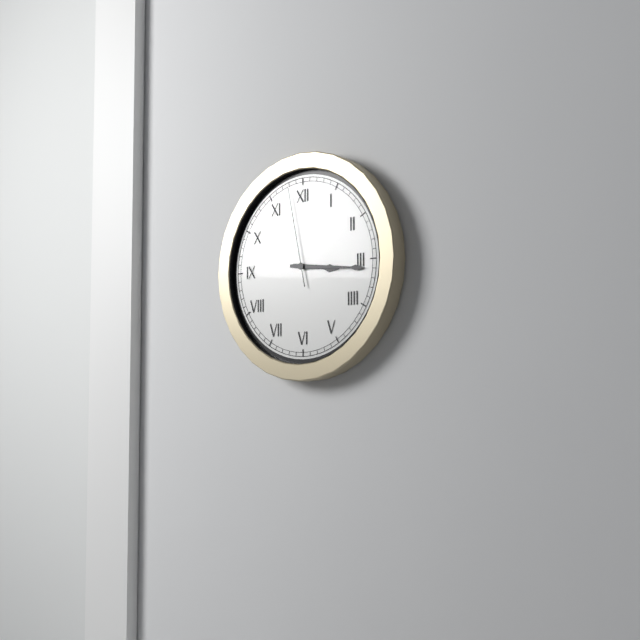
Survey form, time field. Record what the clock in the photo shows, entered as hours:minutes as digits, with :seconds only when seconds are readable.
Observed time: 3:16:58
